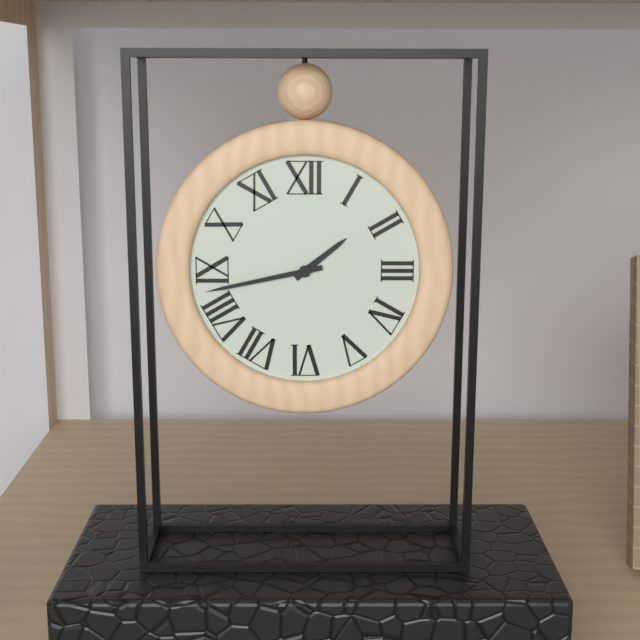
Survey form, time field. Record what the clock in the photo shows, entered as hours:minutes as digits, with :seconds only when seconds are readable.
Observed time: 1:43
